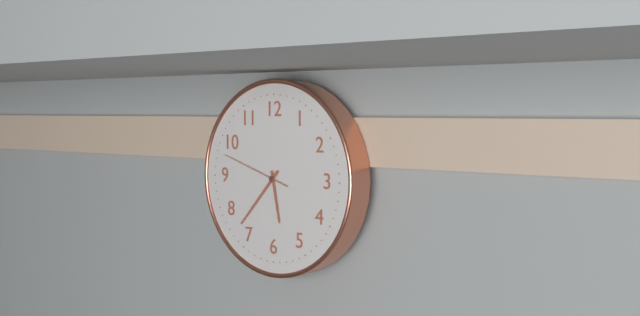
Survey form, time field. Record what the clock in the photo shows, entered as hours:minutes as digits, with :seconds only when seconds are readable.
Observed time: 5:37:48
